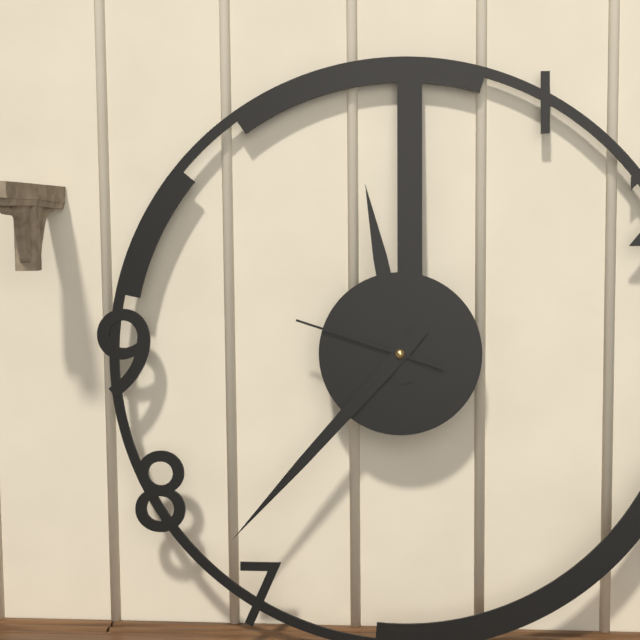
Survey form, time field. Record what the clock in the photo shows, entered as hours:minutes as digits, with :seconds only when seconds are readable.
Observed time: 11:37:48
